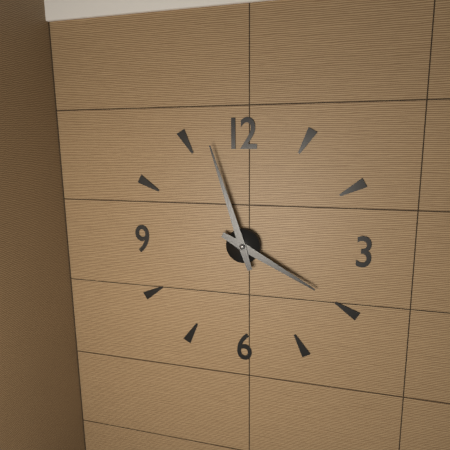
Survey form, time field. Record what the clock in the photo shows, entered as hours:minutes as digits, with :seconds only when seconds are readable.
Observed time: 3:57
